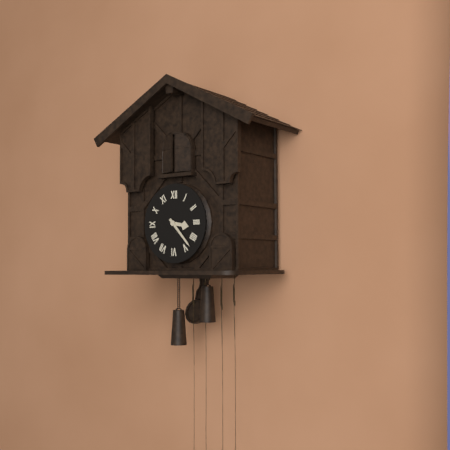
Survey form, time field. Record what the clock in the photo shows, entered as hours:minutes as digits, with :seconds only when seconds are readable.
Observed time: 3:23
